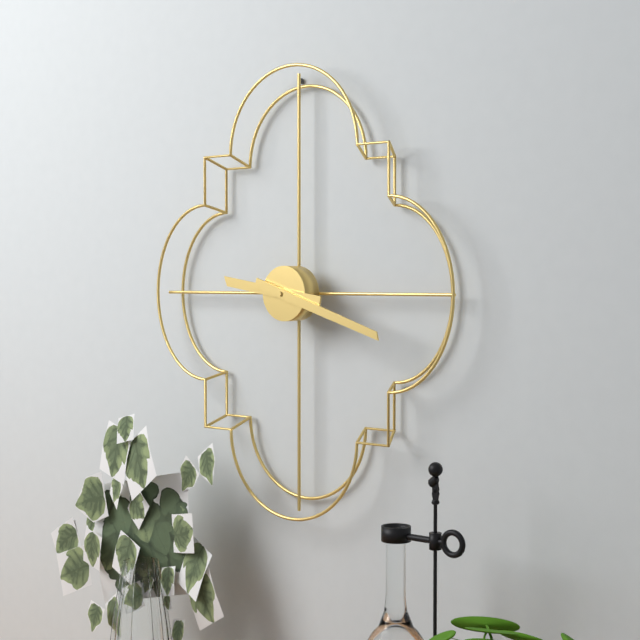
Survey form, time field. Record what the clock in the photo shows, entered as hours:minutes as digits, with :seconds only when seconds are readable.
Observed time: 9:18
